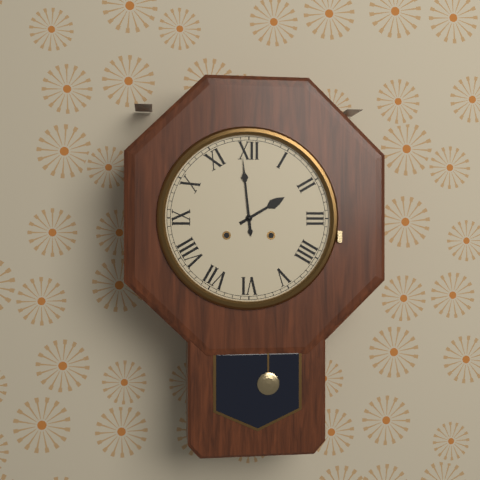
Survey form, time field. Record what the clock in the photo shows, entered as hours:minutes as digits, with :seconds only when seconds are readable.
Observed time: 1:59
